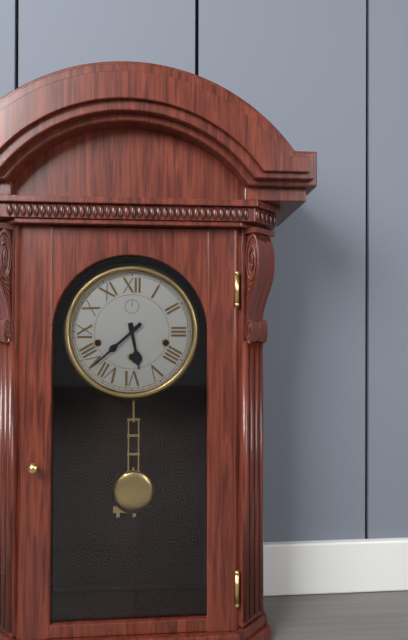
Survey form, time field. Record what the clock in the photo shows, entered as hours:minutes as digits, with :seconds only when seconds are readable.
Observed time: 5:38
